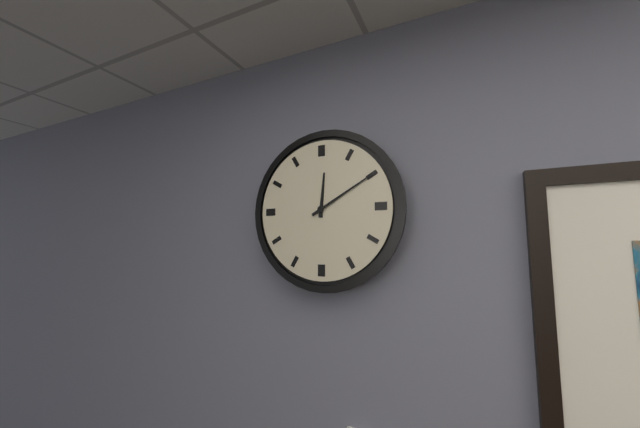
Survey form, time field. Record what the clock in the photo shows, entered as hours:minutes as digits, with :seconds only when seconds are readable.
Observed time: 12:10
